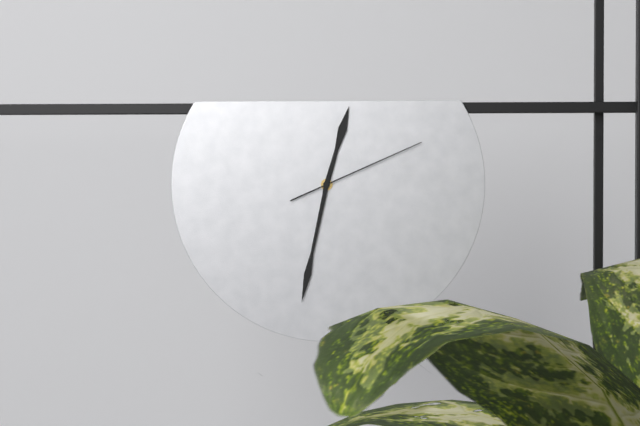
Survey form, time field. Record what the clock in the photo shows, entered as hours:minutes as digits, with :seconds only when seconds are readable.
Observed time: 12:32:11
